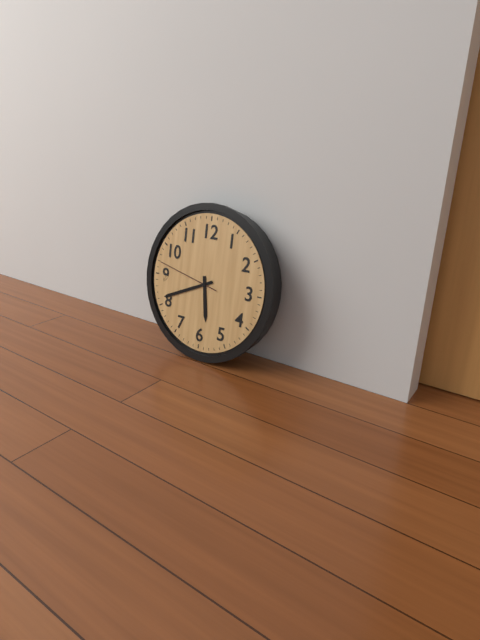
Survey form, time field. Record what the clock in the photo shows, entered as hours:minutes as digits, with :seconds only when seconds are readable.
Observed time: 5:41:47
